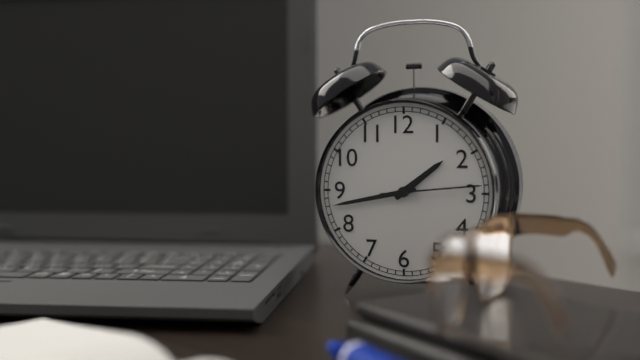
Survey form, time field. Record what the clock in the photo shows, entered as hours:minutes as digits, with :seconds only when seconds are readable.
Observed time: 1:43:14
